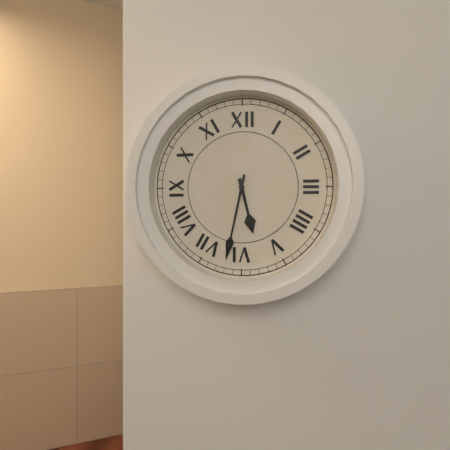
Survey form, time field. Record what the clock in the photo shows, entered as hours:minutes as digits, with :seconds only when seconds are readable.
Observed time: 5:32
